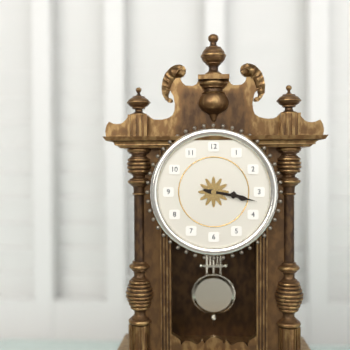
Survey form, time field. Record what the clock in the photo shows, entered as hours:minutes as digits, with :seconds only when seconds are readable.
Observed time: 3:17
